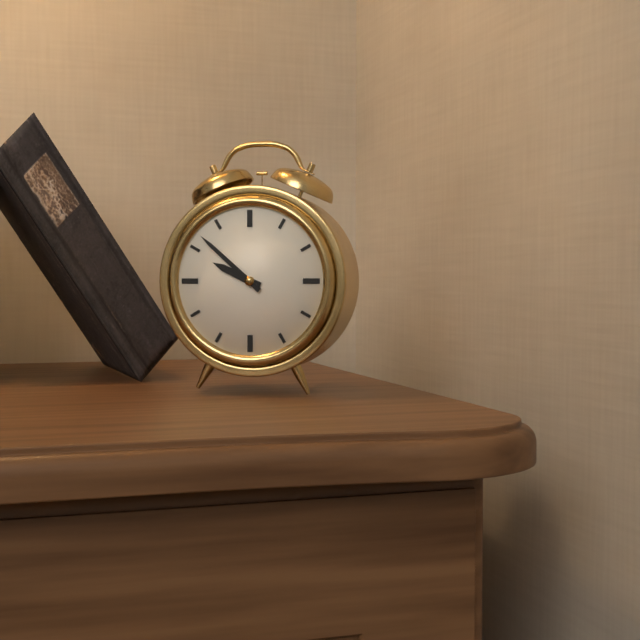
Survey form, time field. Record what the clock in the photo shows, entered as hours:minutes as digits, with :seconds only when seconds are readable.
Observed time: 9:52
